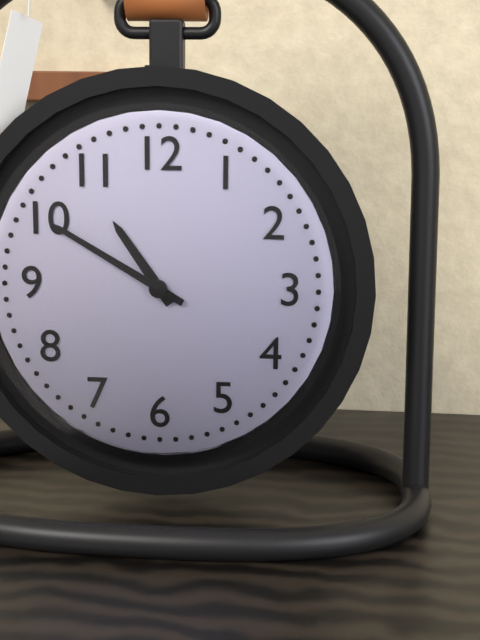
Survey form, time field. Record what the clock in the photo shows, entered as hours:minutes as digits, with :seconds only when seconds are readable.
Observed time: 10:50
